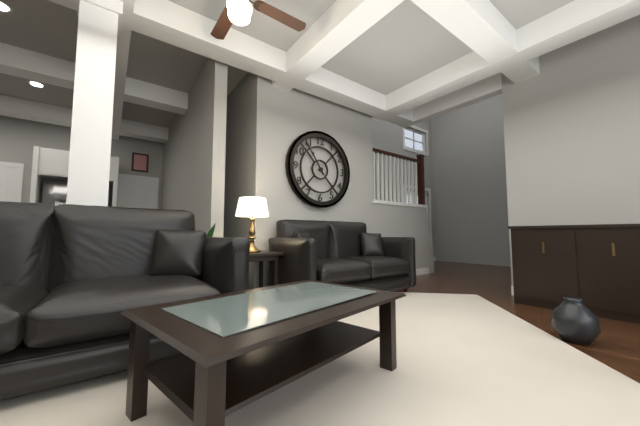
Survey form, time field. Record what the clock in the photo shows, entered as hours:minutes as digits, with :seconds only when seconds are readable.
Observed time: 10:54
